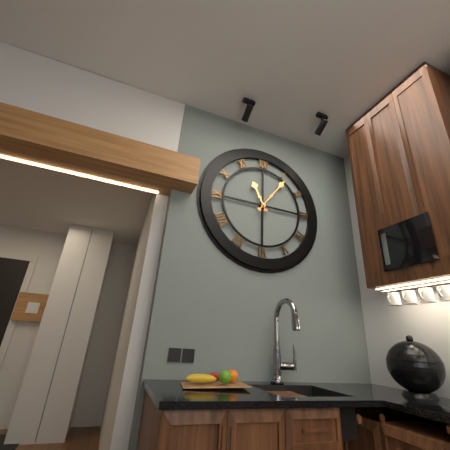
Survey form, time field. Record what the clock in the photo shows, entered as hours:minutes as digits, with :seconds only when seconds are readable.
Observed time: 11:06
